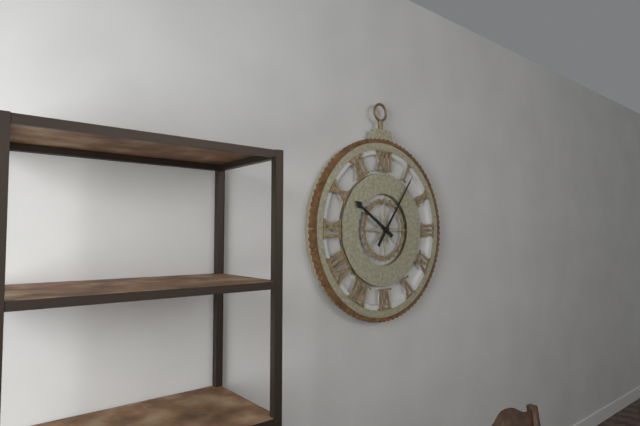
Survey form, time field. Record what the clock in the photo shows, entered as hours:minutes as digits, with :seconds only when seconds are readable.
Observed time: 10:06
